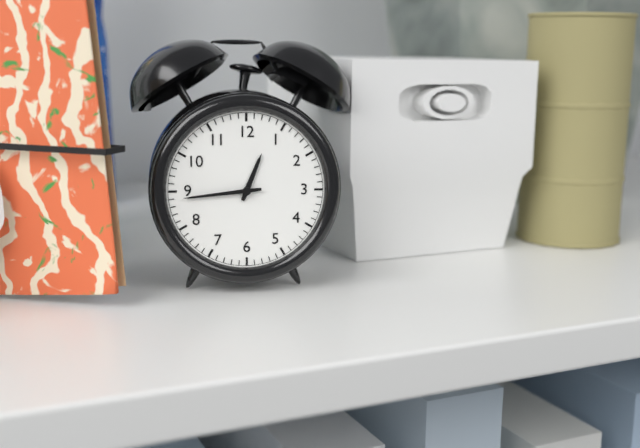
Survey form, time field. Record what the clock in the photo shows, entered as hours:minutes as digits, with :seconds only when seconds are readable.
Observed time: 12:44
